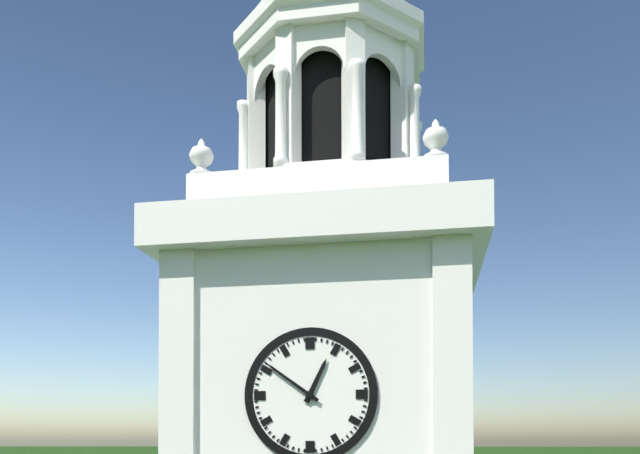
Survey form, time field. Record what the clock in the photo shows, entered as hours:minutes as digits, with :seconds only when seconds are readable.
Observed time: 12:51
